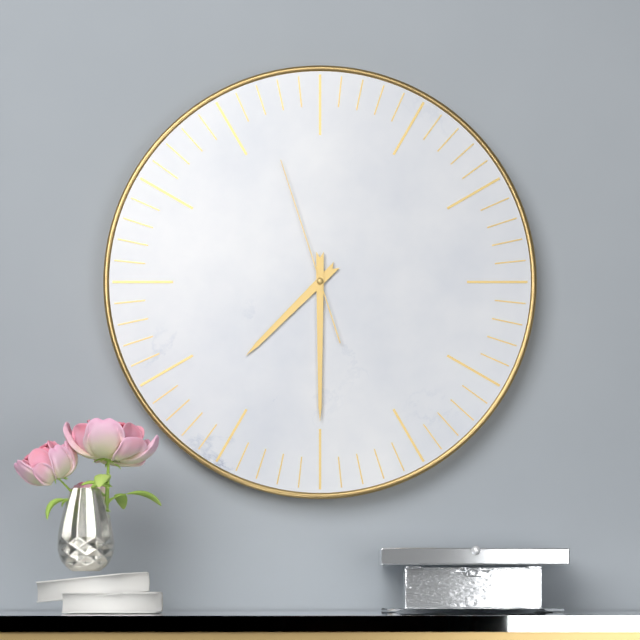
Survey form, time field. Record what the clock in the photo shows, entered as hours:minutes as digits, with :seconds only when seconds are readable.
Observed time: 7:30:57
